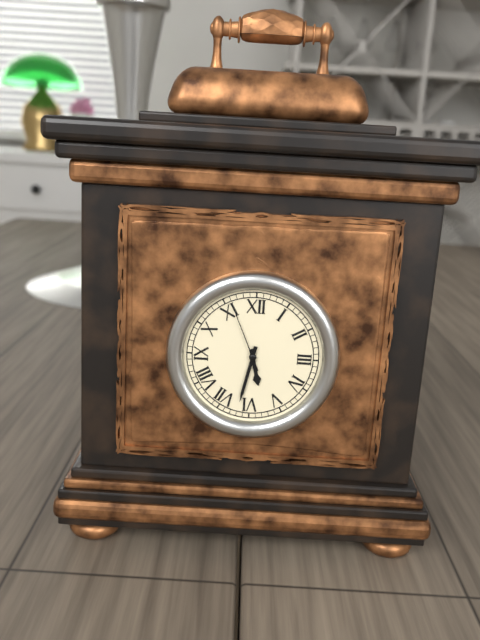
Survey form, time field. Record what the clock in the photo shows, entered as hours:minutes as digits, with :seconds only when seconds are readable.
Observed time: 5:32:56
